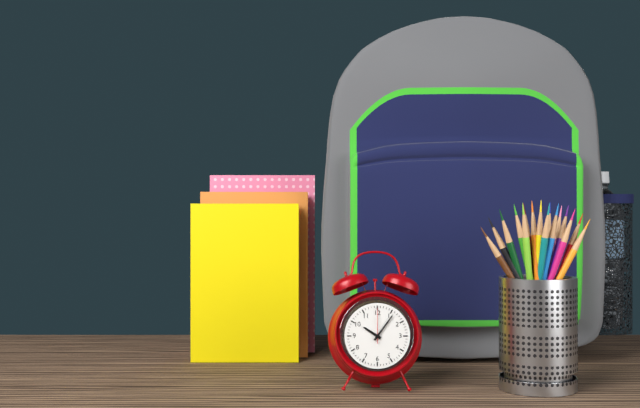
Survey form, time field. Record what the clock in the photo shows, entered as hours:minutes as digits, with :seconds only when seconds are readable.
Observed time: 10:06
